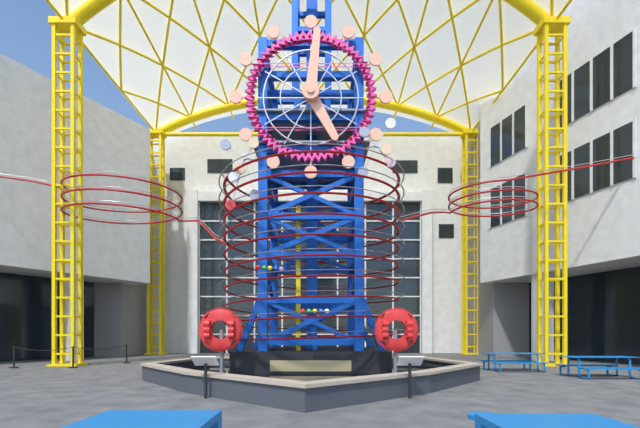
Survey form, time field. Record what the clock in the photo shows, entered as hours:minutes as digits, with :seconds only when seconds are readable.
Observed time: 5:01
